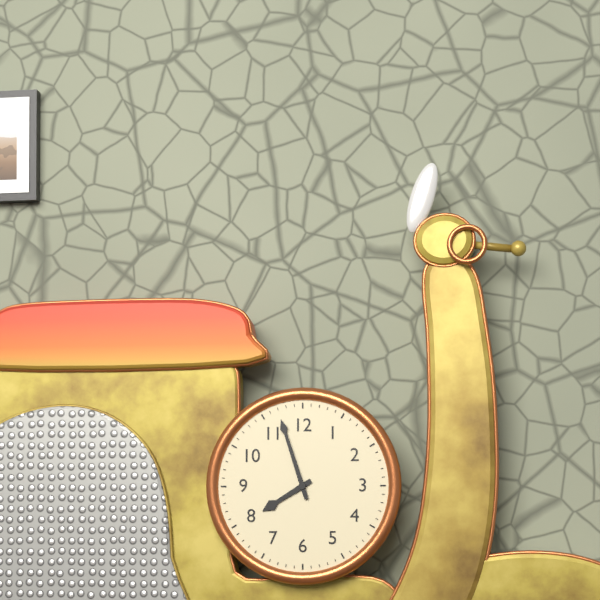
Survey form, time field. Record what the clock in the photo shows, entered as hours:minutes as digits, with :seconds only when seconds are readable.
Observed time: 7:57
